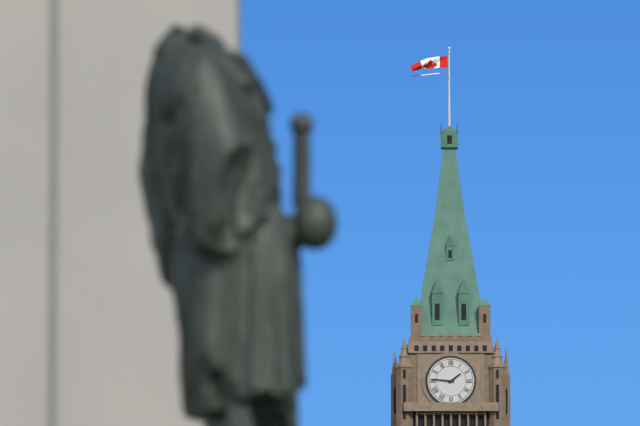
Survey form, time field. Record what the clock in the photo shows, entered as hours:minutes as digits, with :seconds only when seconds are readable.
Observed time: 1:46
